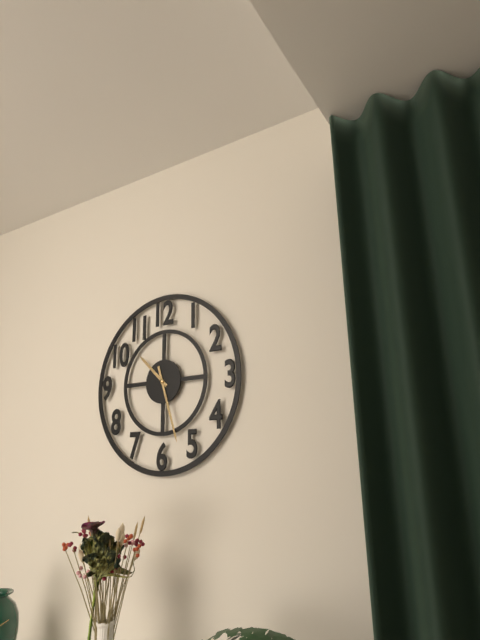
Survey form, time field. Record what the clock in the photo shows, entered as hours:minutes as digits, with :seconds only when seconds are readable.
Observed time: 10:27
